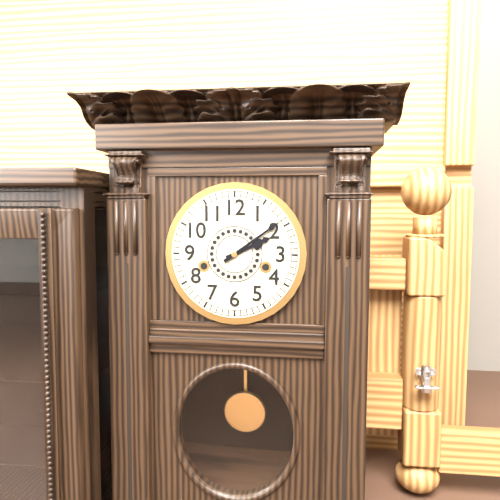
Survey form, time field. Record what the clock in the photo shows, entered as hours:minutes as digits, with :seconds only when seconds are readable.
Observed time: 2:09
